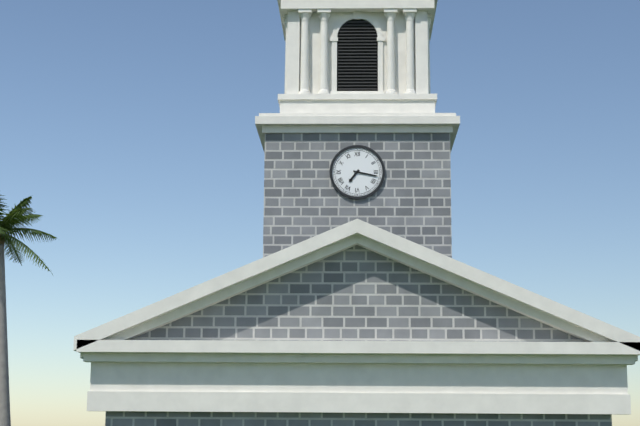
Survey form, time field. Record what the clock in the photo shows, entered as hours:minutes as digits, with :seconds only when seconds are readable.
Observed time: 7:17
